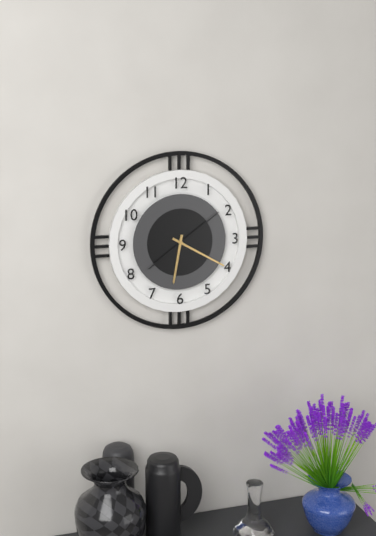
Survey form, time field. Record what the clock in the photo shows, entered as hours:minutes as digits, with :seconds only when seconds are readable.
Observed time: 6:20:09
